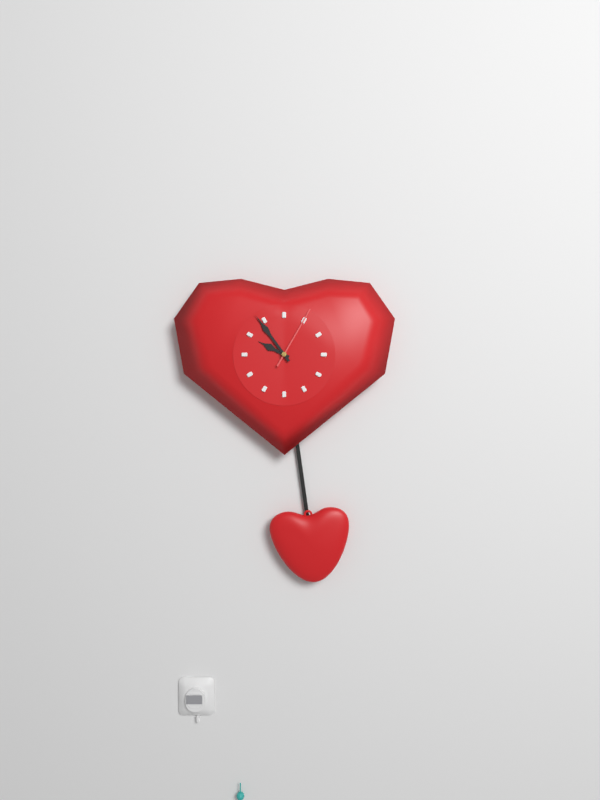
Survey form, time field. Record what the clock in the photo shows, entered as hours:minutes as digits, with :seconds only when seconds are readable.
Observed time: 9:54:05
